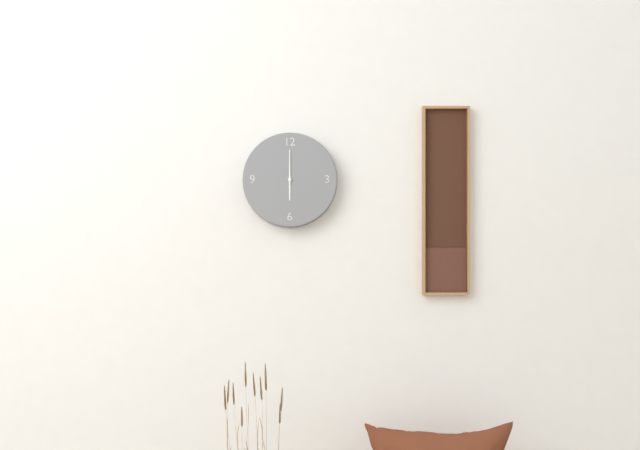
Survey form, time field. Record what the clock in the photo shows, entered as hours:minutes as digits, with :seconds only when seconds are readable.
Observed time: 6:00
